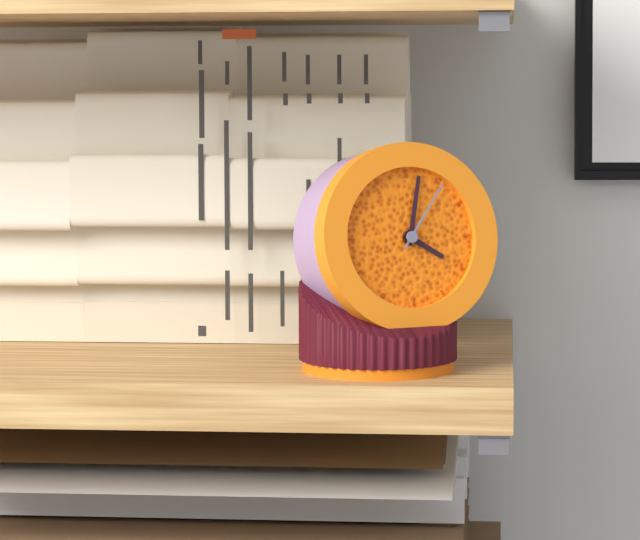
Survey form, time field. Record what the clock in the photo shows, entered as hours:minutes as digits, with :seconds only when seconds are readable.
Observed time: 4:02:06
